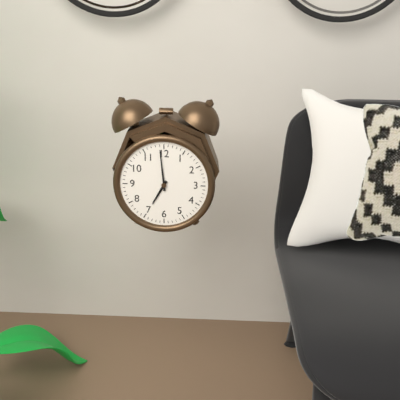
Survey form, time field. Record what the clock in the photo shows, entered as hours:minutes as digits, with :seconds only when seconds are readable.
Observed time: 6:59
